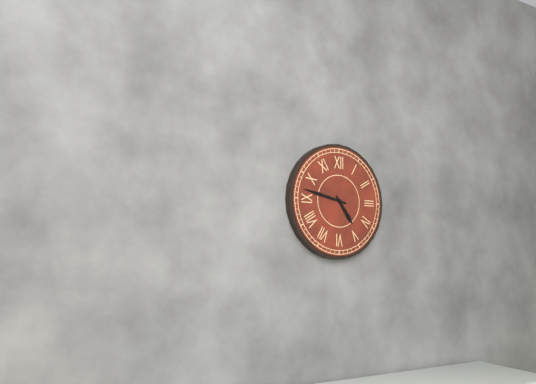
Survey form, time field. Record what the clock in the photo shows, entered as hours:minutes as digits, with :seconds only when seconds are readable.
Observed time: 4:47
